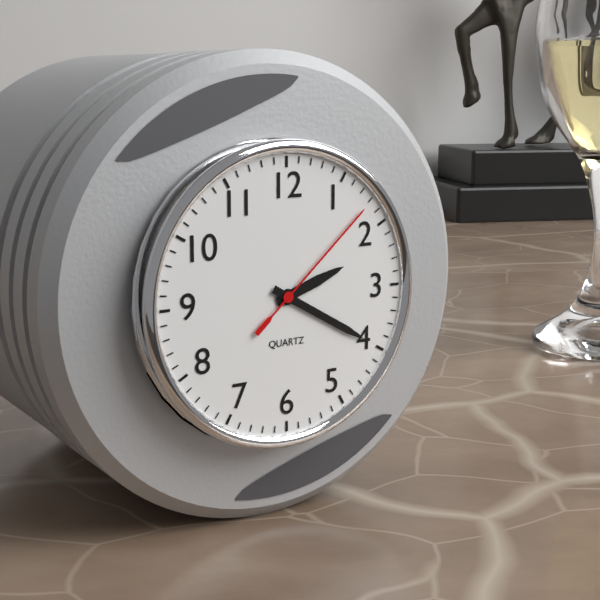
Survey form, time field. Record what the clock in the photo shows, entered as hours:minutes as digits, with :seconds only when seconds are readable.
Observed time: 2:20:08
